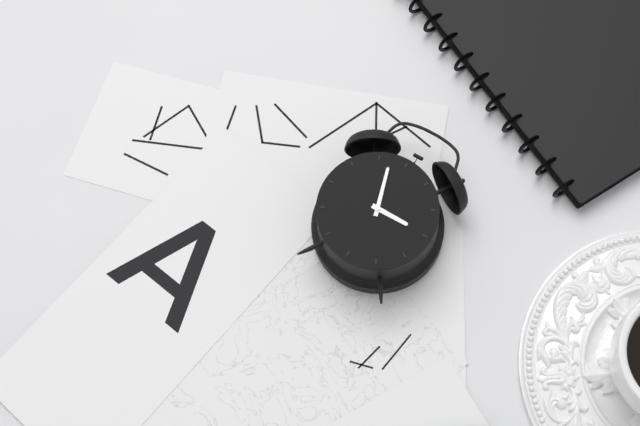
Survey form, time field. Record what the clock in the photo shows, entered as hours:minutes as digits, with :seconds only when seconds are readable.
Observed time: 2:57
